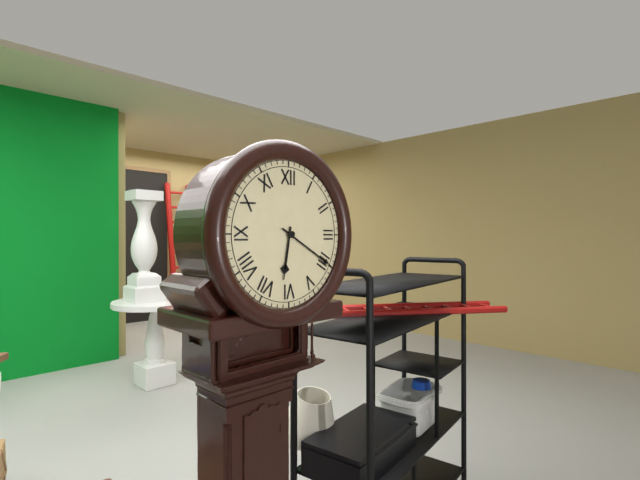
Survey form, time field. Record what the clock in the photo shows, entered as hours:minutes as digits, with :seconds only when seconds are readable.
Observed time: 6:20
